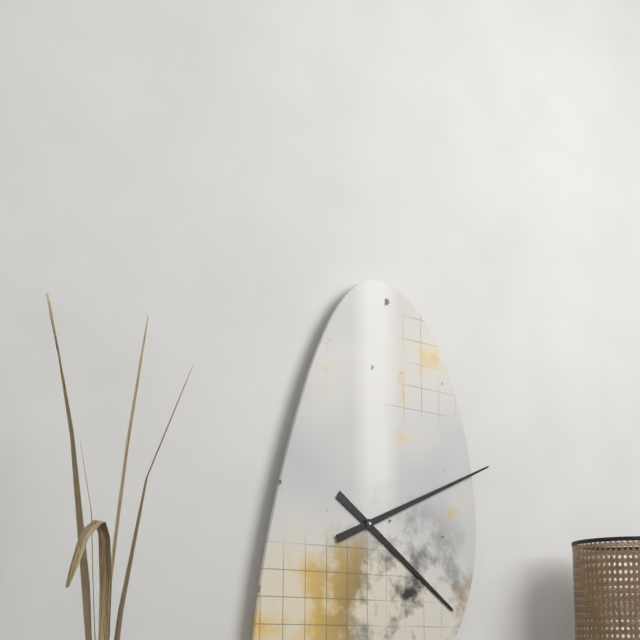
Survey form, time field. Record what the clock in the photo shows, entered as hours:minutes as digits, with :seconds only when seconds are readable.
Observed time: 4:11
